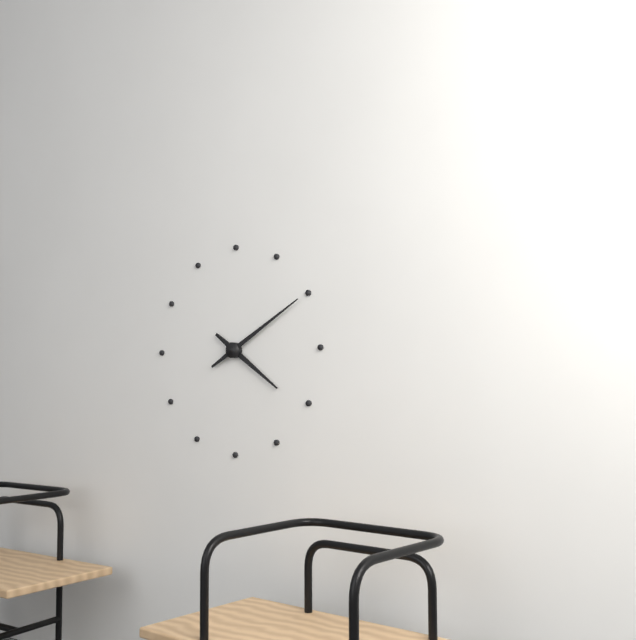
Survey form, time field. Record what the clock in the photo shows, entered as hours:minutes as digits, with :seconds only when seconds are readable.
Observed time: 4:10
